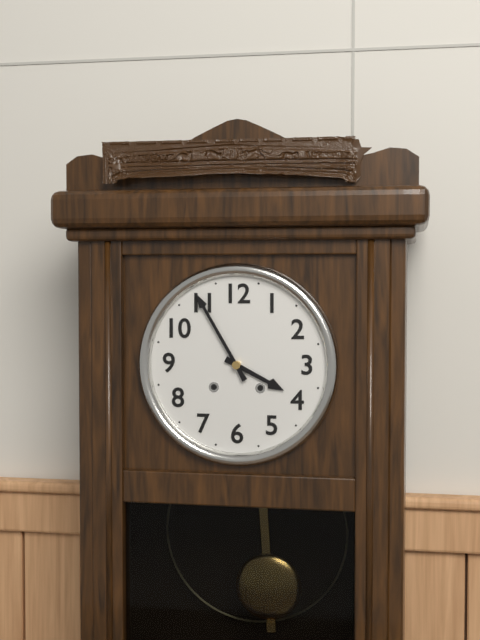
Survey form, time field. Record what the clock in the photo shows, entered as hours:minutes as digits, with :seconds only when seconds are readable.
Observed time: 3:55
